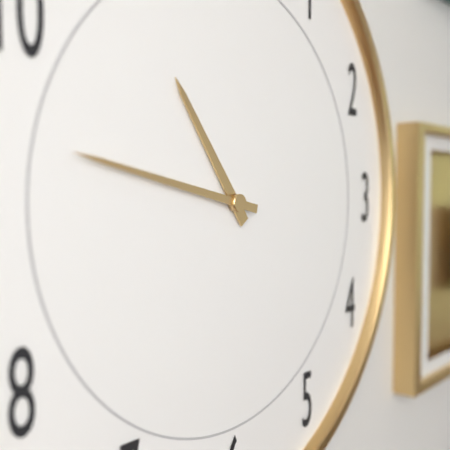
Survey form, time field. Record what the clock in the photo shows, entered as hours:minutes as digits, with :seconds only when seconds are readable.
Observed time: 10:47
